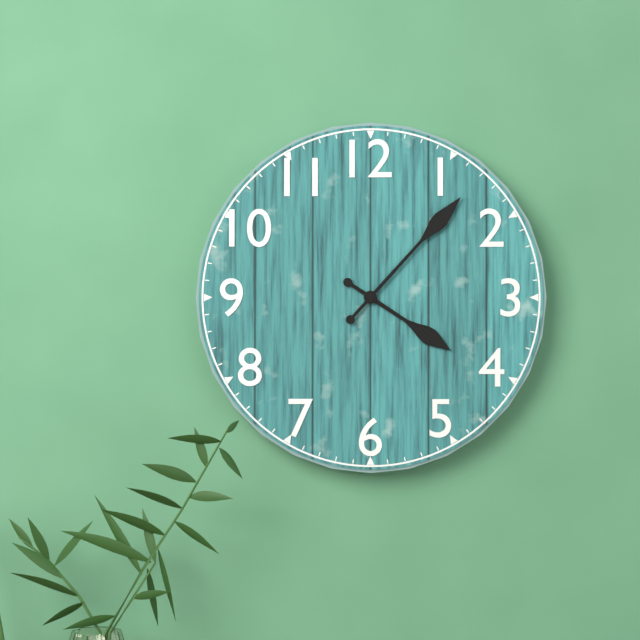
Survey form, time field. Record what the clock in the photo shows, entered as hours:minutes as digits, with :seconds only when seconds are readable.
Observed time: 4:07
